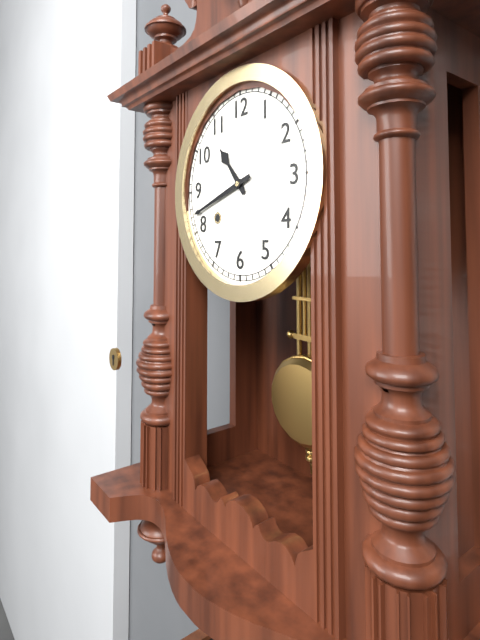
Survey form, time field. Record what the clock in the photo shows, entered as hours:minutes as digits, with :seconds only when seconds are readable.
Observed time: 10:42
